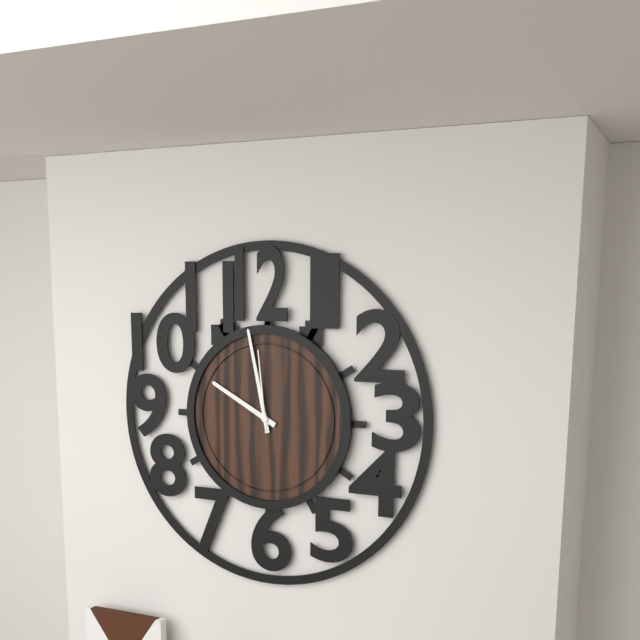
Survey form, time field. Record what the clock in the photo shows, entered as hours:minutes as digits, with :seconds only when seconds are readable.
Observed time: 9:58:59
